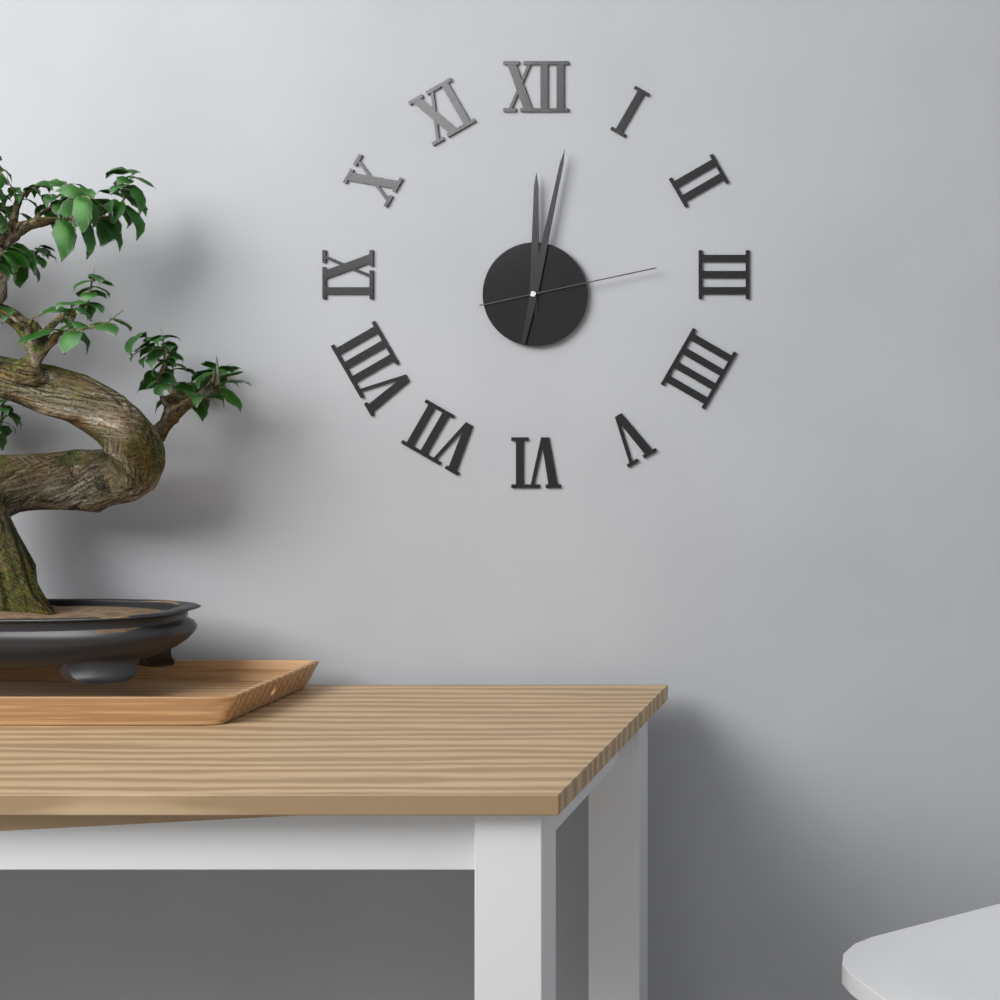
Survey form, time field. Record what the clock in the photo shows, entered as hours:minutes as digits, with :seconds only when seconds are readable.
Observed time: 12:02:13
